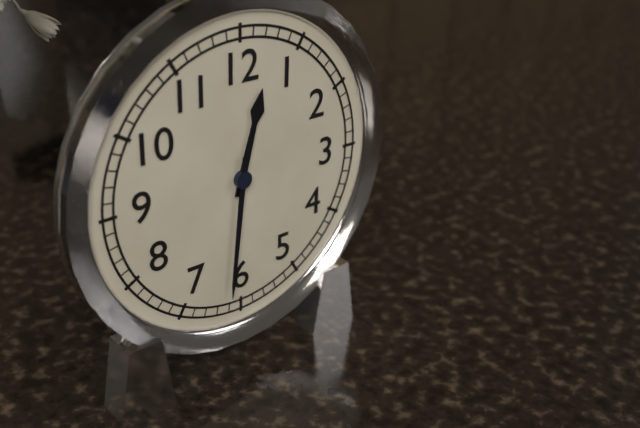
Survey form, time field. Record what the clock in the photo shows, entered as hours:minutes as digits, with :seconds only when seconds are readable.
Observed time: 12:31
